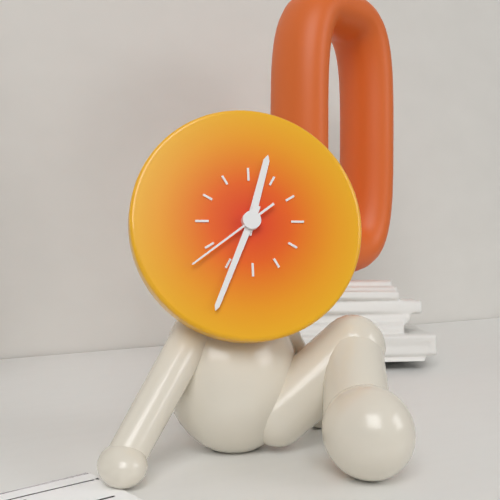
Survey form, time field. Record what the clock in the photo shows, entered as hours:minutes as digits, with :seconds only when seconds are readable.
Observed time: 12:34:39
